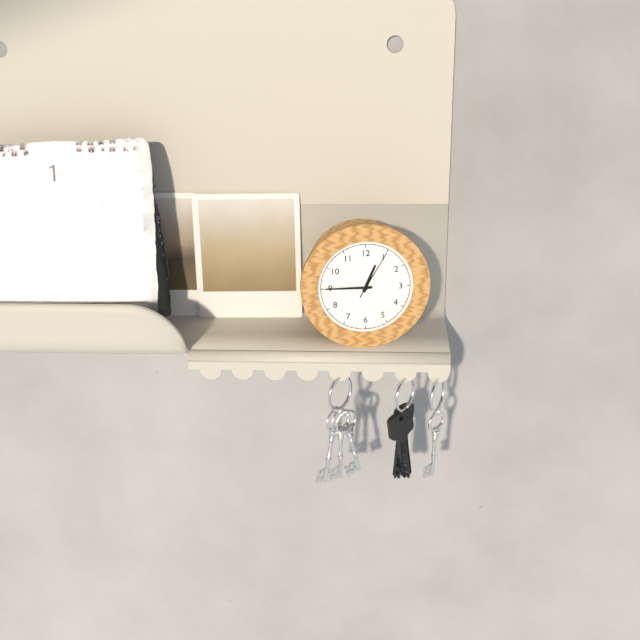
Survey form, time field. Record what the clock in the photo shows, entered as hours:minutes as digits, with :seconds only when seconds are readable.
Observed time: 12:45:05
